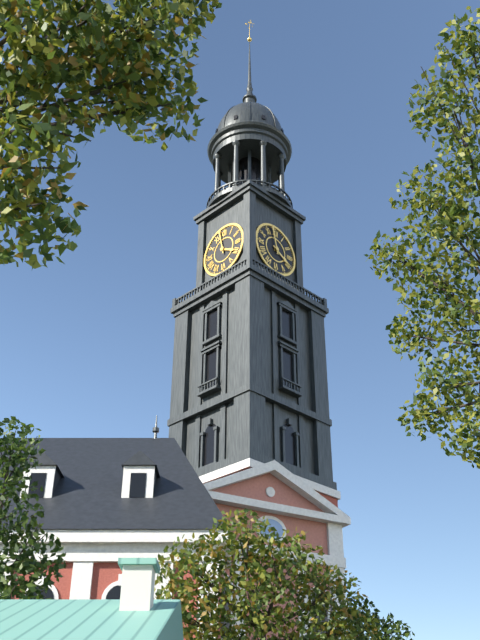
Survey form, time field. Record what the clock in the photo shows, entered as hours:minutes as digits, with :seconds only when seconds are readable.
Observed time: 3:58
